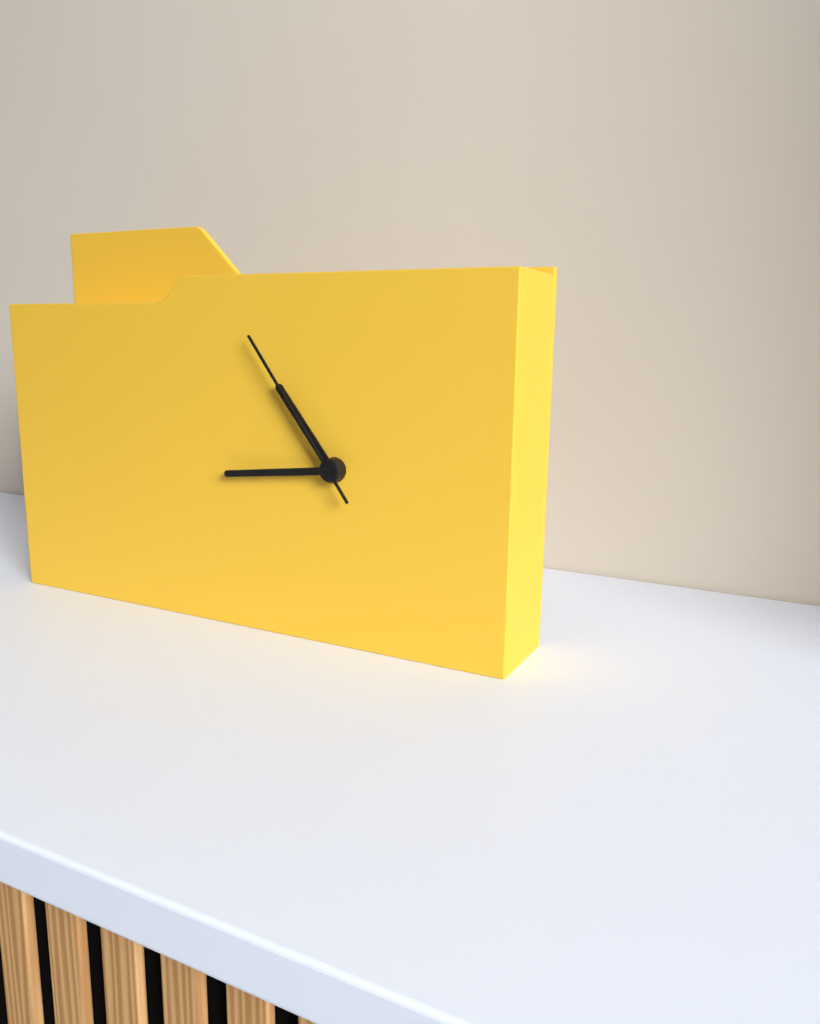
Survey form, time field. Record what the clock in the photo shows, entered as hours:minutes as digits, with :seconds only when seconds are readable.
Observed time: 10:44:54
